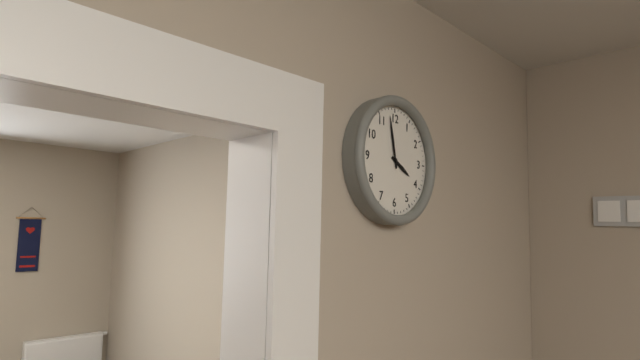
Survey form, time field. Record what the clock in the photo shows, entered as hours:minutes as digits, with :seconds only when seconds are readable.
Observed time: 3:58
